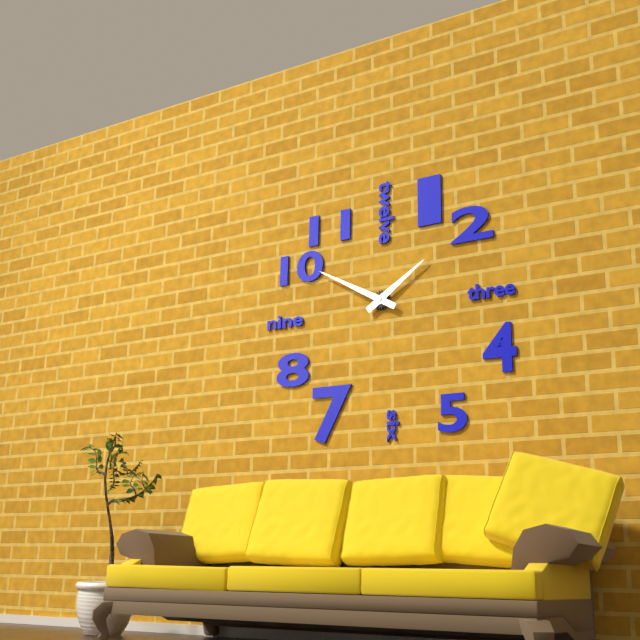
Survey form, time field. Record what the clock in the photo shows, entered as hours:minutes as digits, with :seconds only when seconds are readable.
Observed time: 1:50
